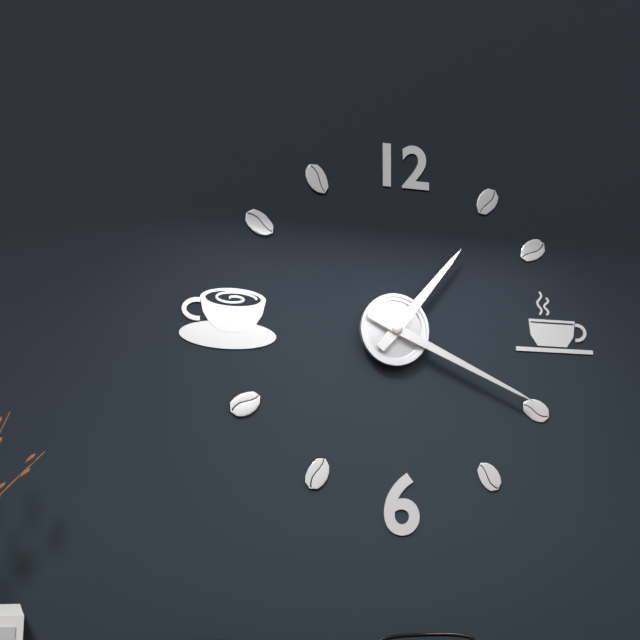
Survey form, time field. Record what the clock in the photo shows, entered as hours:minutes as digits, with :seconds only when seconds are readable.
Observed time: 1:19
